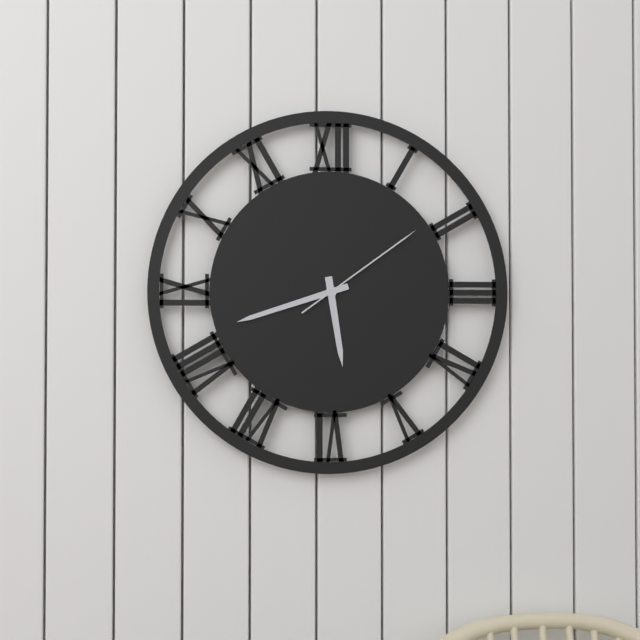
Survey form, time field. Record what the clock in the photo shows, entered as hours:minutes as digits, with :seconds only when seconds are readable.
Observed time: 5:42:09
